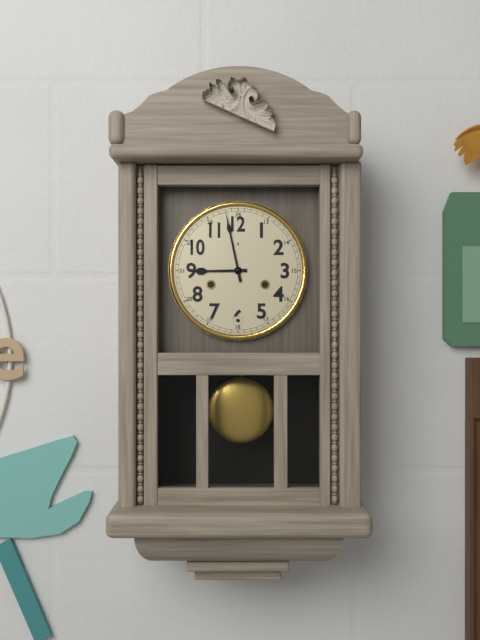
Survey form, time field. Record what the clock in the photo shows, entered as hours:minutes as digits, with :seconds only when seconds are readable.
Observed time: 8:58
